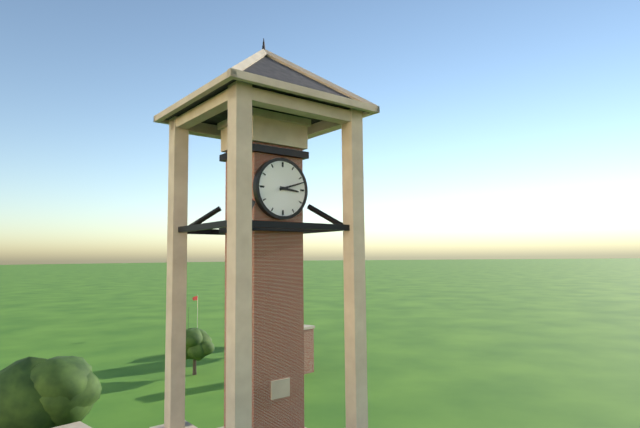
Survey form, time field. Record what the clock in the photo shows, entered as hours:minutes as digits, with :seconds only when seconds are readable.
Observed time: 3:12
